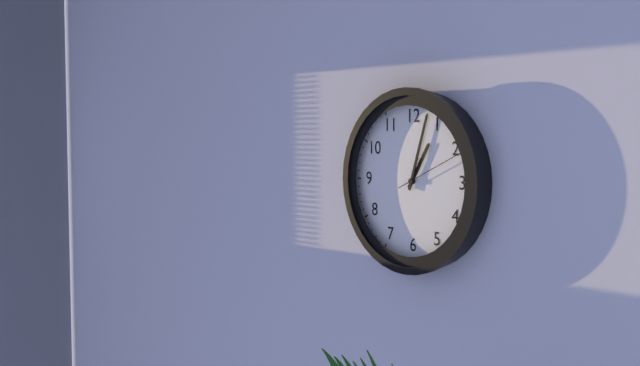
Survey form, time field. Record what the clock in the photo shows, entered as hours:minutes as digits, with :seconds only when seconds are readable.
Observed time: 1:03:11
